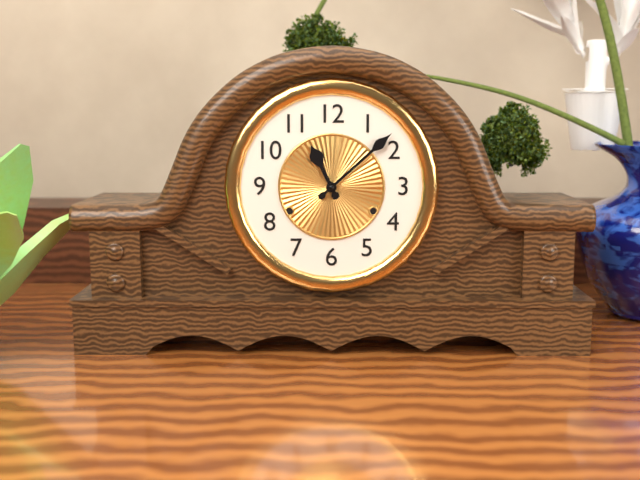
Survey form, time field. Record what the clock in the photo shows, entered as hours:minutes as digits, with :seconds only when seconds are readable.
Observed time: 11:08
